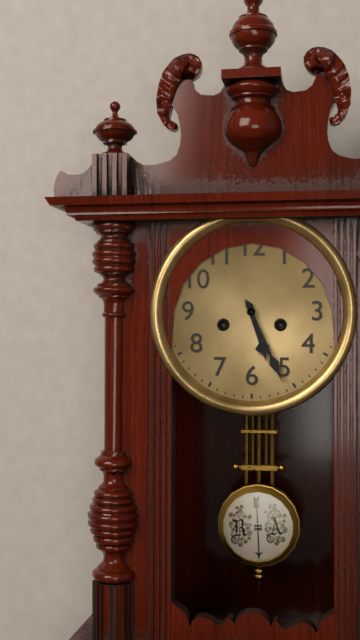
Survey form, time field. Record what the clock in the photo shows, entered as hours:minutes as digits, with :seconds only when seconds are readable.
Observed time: 5:26
